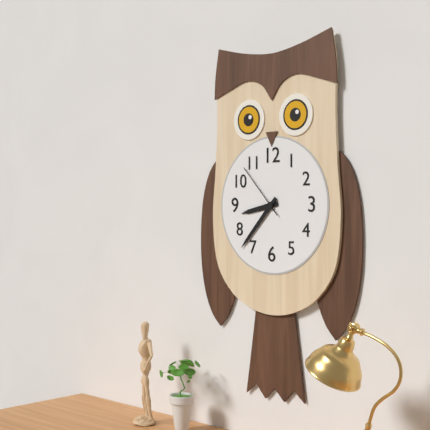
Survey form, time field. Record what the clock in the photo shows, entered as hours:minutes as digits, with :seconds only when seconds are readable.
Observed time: 8:37:53
